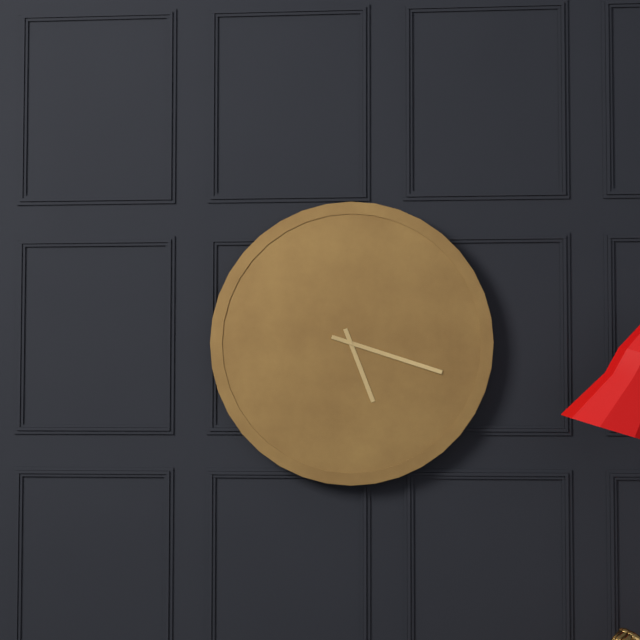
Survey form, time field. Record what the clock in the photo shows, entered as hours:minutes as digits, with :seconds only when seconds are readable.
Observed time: 5:18
